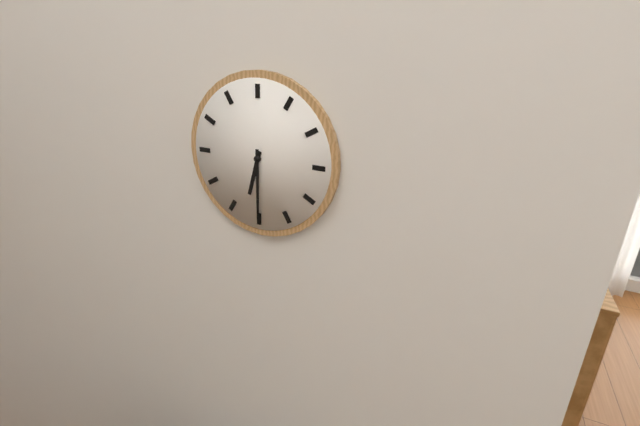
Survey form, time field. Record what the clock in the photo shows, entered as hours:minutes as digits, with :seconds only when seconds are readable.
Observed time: 6:30
